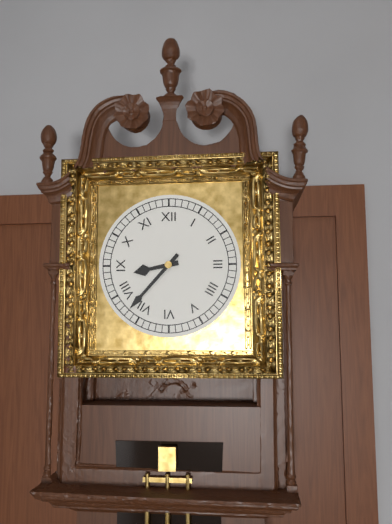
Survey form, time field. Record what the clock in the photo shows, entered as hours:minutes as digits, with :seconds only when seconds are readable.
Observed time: 8:37
